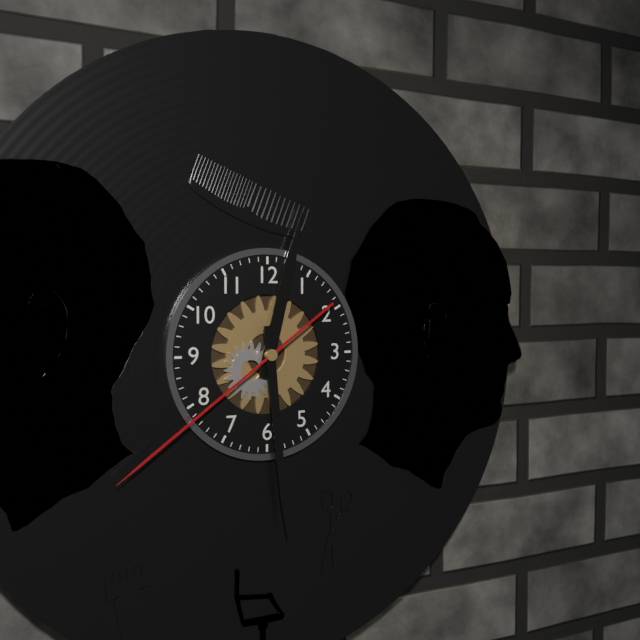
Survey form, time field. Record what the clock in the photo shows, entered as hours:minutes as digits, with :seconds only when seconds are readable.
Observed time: 12:29:39
